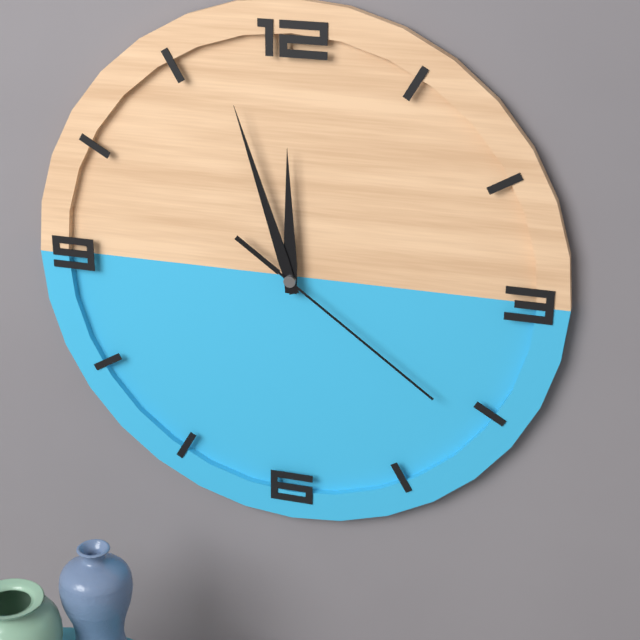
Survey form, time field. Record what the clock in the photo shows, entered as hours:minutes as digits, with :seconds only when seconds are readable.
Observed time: 11:57:21
